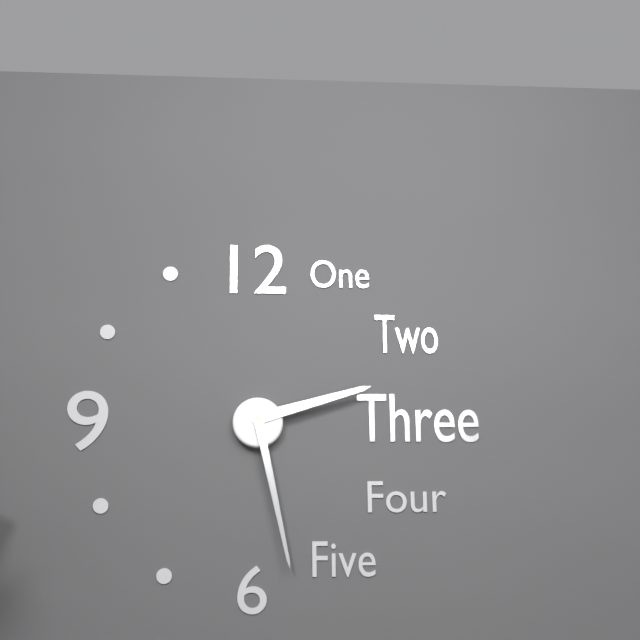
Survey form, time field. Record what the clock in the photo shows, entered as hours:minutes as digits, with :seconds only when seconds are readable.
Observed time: 2:28
